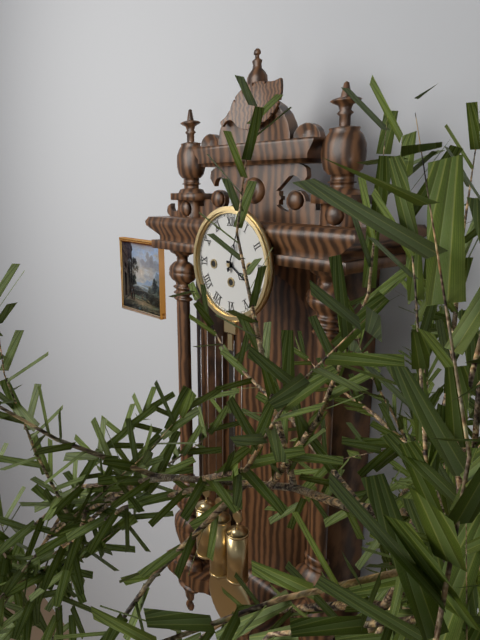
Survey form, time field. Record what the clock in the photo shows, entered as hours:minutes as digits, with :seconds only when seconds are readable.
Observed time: 4:03
